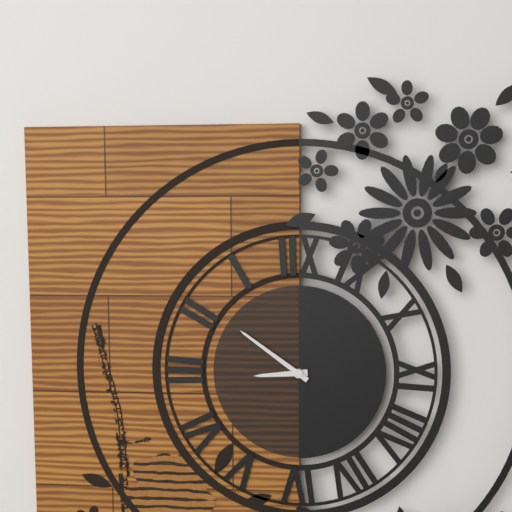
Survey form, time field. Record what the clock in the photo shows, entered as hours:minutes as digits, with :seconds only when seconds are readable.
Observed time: 8:51
